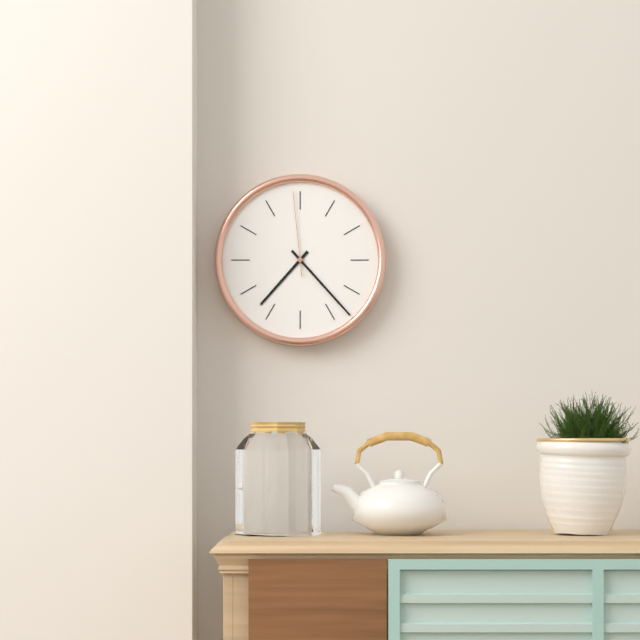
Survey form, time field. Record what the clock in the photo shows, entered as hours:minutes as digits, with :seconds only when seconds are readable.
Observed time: 7:23:59
